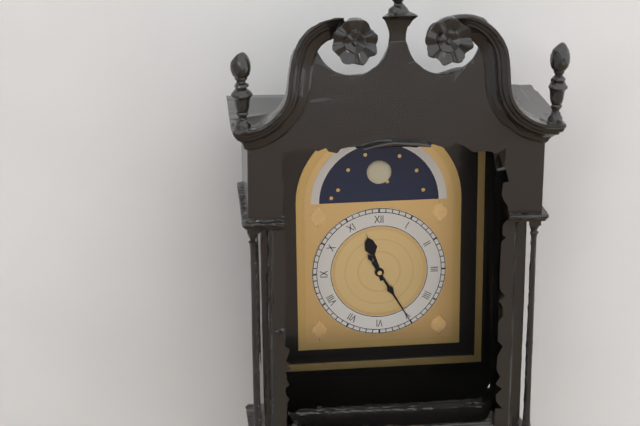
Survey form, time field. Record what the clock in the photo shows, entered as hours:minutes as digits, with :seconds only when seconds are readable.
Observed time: 11:25
